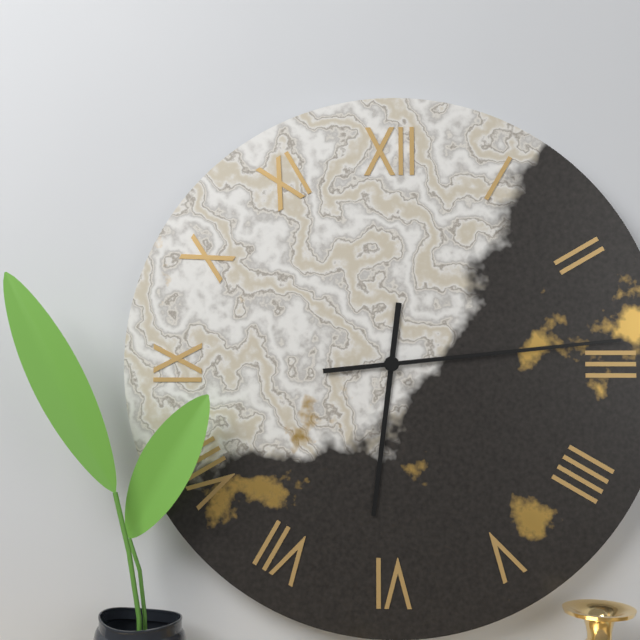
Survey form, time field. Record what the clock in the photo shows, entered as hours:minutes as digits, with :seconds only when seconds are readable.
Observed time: 6:14
